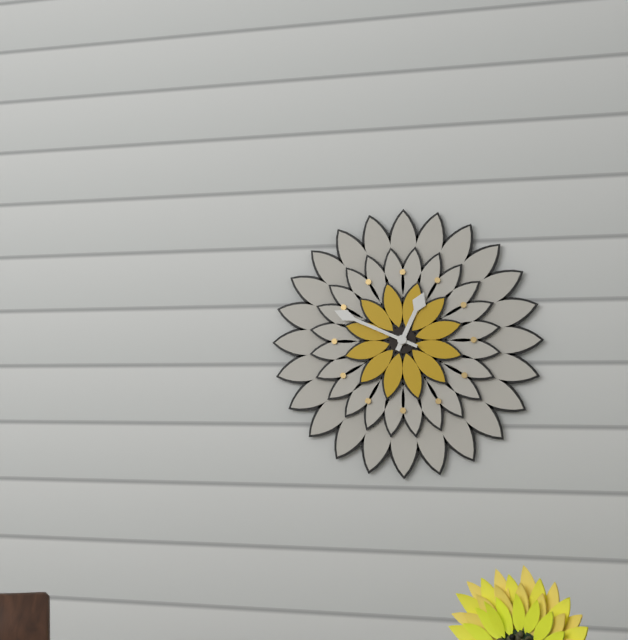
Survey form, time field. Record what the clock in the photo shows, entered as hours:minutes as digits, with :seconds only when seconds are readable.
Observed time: 12:49
